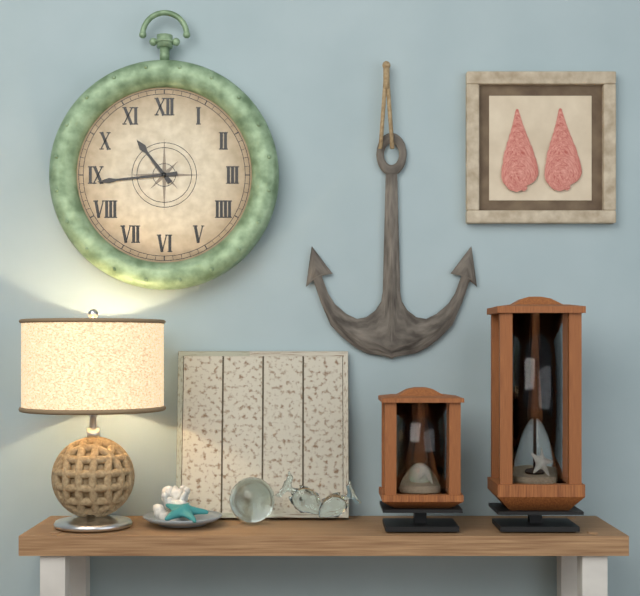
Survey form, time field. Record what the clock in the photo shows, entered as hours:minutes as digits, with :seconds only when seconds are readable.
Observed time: 10:44
